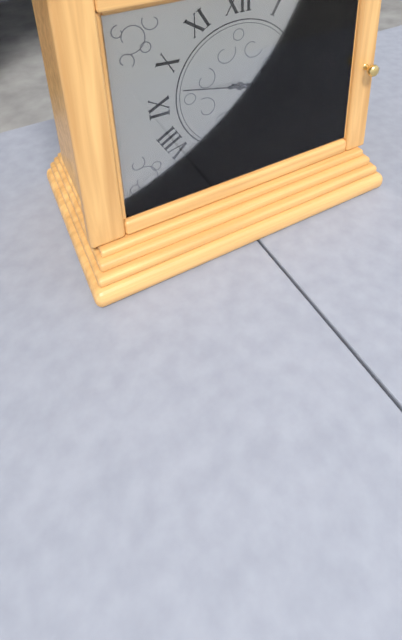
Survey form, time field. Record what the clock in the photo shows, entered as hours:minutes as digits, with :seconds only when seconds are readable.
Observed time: 3:19:47
